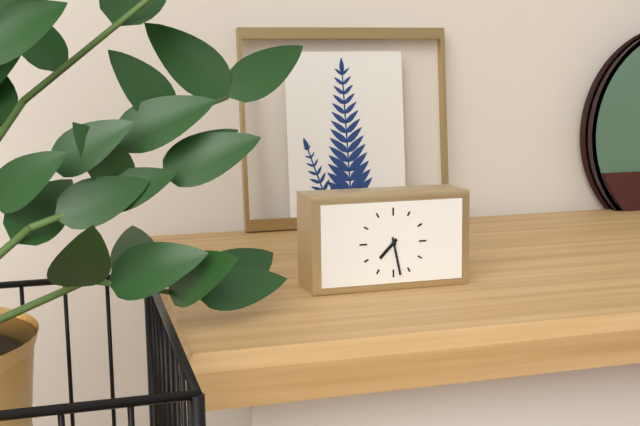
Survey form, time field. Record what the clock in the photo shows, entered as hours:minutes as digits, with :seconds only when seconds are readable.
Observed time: 7:28
